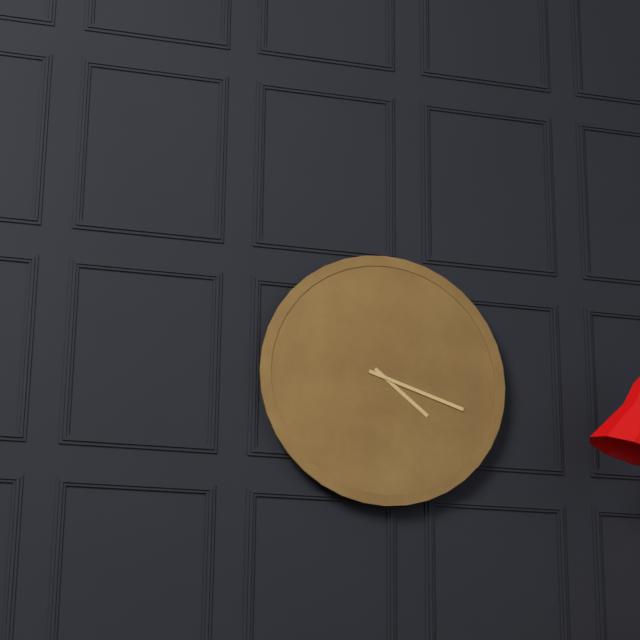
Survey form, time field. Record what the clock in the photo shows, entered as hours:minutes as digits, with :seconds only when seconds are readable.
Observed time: 4:18
